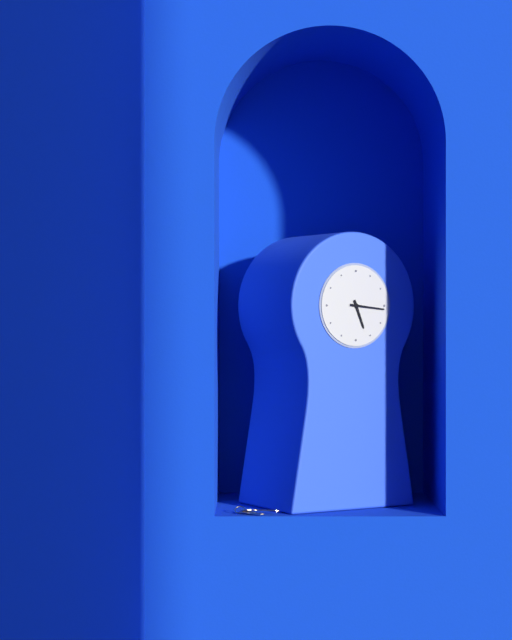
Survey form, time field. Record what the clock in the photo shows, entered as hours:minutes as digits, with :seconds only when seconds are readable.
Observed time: 5:16
